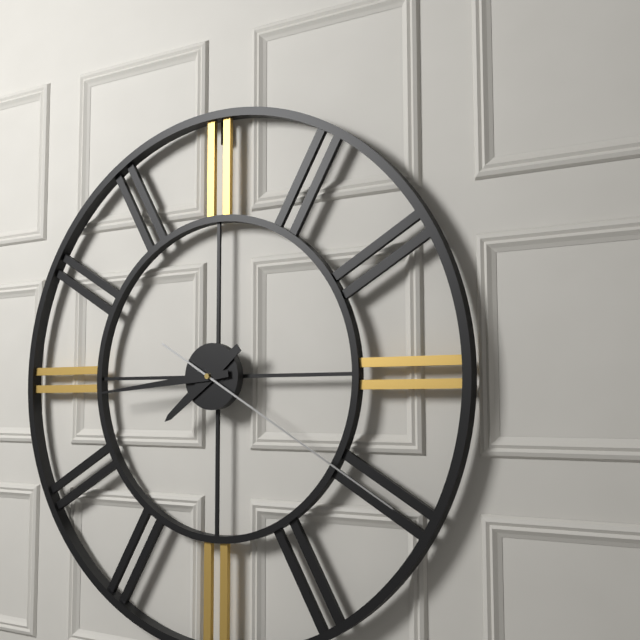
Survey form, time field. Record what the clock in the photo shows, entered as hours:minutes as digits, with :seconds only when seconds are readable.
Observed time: 7:44:20
